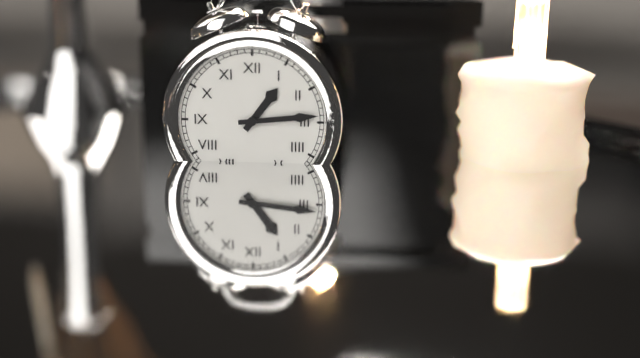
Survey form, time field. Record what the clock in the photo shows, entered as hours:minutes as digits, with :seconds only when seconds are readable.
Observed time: 1:14
